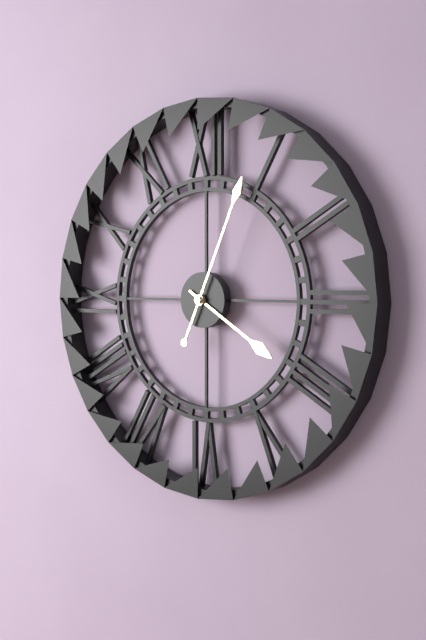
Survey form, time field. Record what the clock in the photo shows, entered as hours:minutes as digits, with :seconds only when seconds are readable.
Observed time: 4:04
